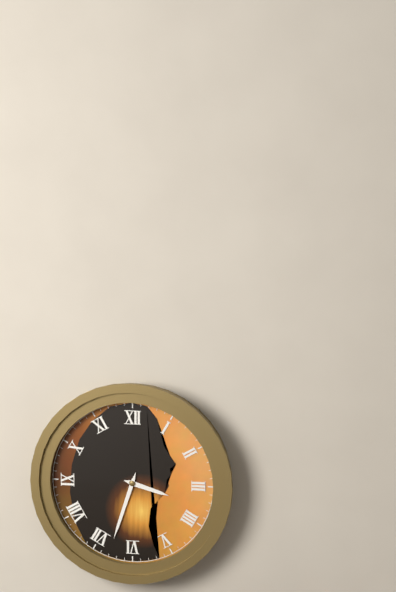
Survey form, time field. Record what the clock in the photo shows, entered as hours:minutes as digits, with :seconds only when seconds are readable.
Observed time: 3:33
